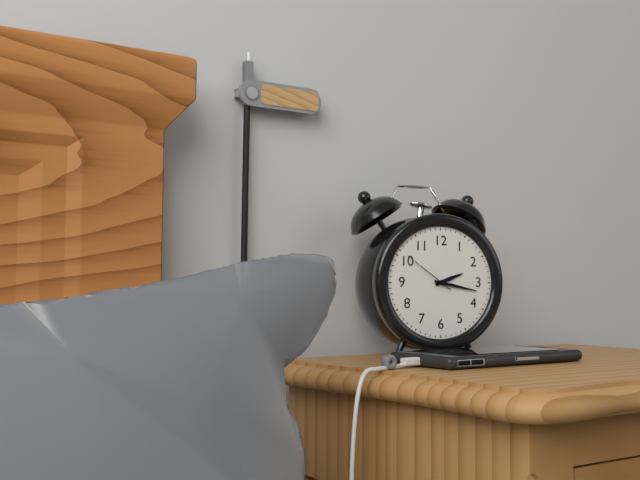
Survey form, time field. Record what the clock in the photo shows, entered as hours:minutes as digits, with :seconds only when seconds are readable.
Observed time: 2:17:51
